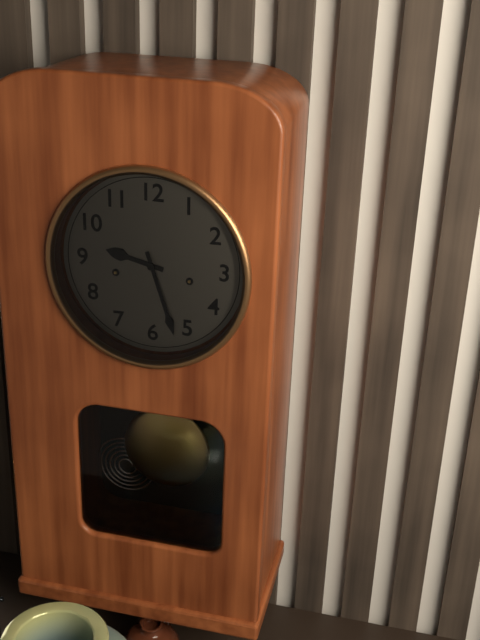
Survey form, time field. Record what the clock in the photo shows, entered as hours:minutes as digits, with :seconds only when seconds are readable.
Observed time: 9:27
